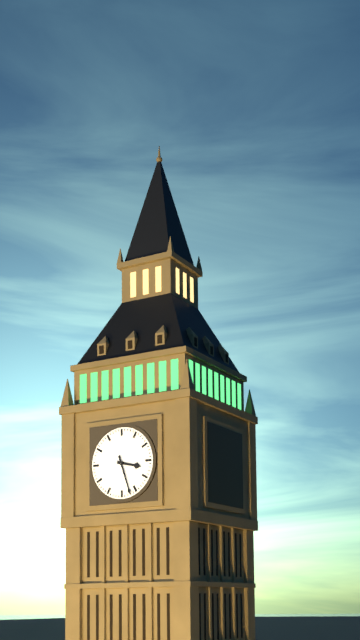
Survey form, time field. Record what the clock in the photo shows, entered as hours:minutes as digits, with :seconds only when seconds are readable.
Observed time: 3:27
